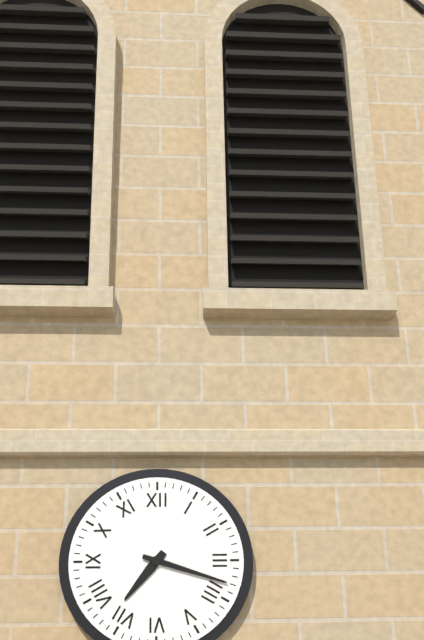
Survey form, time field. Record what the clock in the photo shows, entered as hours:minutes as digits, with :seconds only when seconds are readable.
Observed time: 7:18
